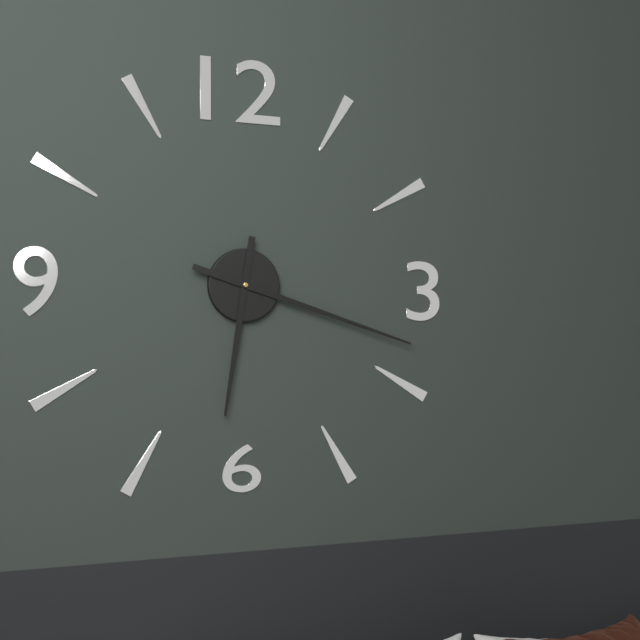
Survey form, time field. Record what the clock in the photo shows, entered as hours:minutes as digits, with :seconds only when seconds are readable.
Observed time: 6:18
